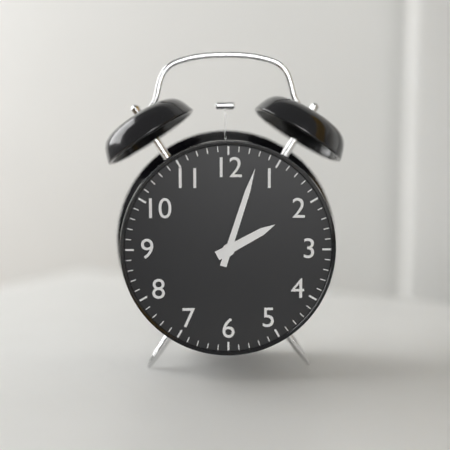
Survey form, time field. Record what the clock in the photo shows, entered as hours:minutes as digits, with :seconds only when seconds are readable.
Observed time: 2:03
